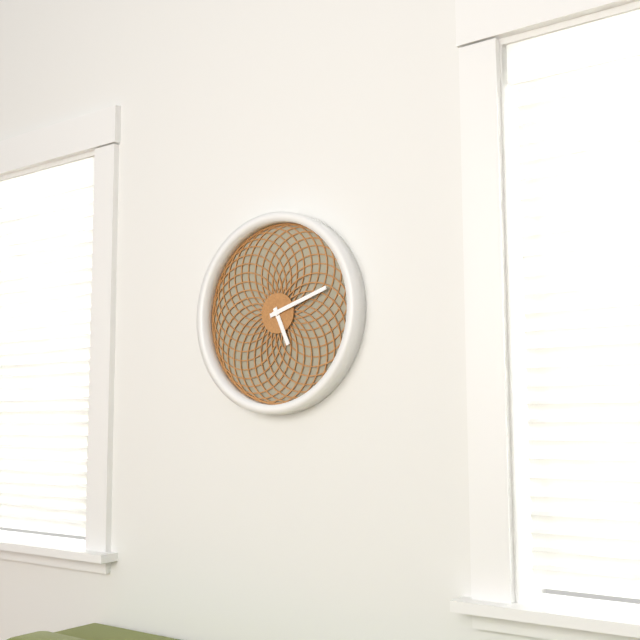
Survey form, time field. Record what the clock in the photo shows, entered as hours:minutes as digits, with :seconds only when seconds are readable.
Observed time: 5:12
